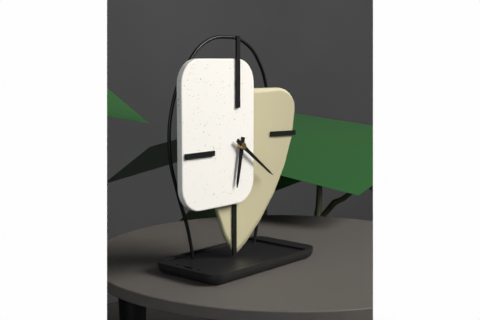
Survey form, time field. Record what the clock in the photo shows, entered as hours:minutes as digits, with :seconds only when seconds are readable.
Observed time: 6:21
